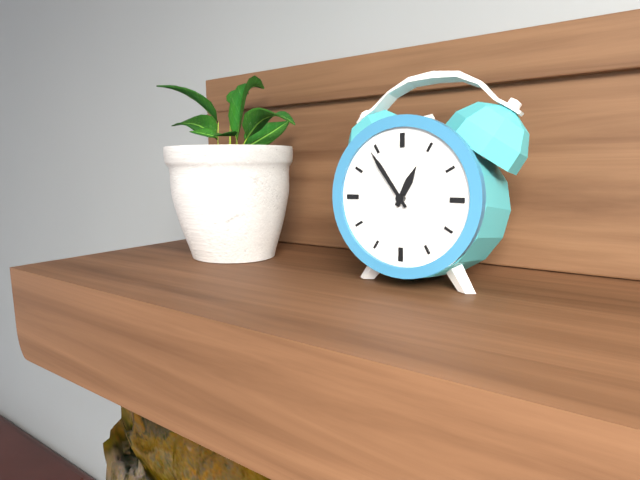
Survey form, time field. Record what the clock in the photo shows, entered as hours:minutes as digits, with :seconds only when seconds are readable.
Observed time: 12:54
